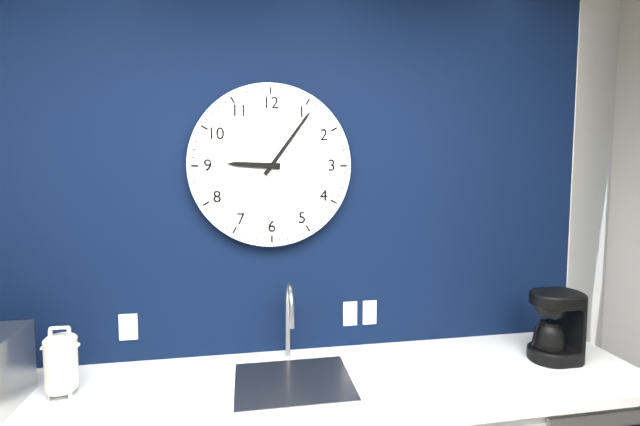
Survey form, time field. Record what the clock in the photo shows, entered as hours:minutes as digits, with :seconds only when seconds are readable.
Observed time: 9:06
